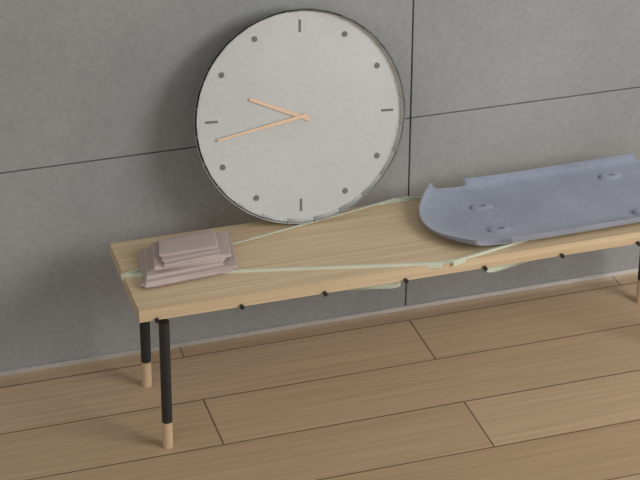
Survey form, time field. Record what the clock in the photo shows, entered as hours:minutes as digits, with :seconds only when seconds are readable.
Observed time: 9:43
